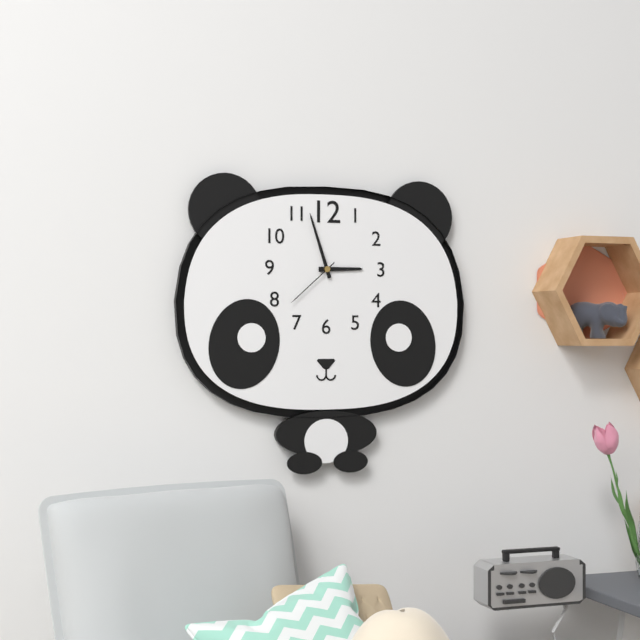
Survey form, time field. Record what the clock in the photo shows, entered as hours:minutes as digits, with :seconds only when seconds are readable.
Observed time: 2:57:38
